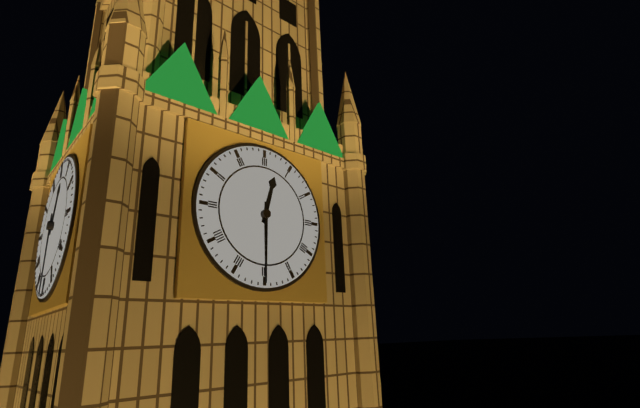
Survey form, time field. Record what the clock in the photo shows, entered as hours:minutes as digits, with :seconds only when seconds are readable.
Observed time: 12:30
